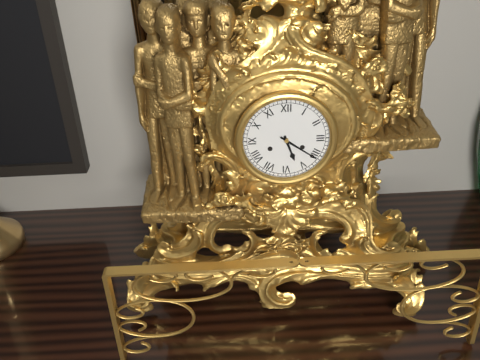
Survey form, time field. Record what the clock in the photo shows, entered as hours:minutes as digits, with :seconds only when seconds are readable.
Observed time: 5:21
